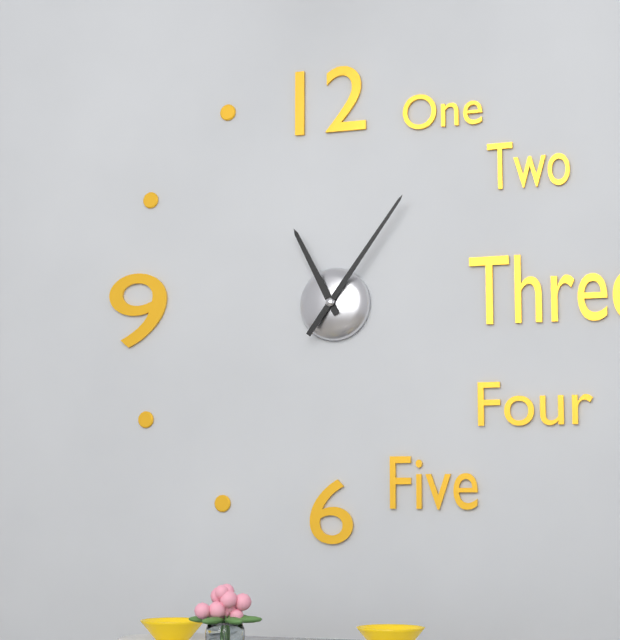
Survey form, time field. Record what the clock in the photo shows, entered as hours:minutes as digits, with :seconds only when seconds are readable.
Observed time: 11:06
